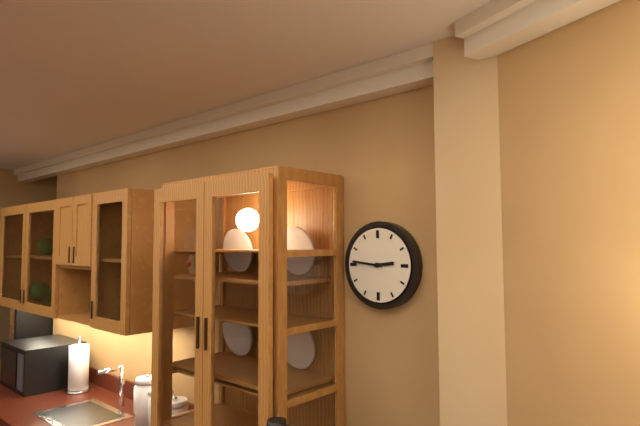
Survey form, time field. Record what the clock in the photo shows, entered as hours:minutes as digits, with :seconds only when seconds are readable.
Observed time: 2:46
